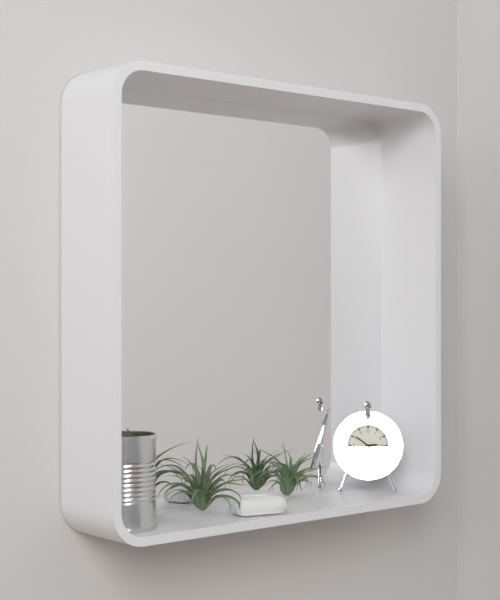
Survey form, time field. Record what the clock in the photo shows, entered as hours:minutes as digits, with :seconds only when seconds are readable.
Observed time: 2:51
